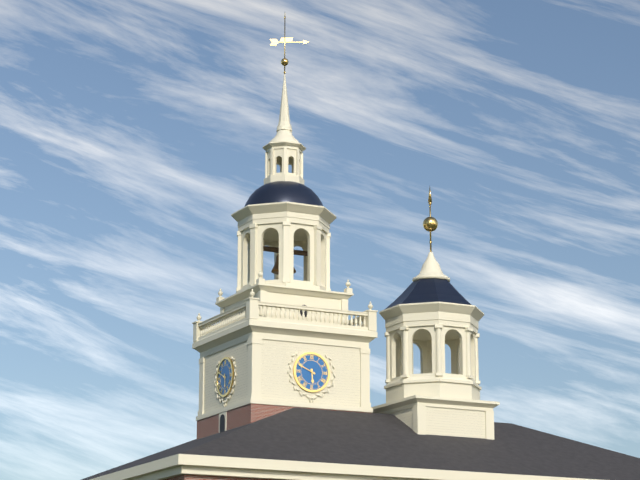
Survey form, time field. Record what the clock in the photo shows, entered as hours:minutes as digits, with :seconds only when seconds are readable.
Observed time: 5:49
